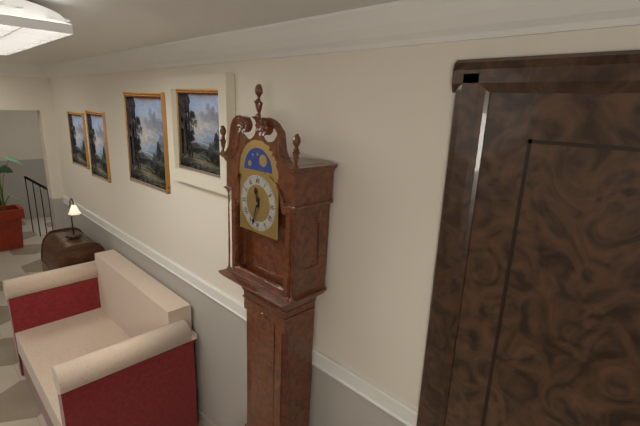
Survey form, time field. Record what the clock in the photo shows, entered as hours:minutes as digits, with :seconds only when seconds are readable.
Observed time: 11:33
